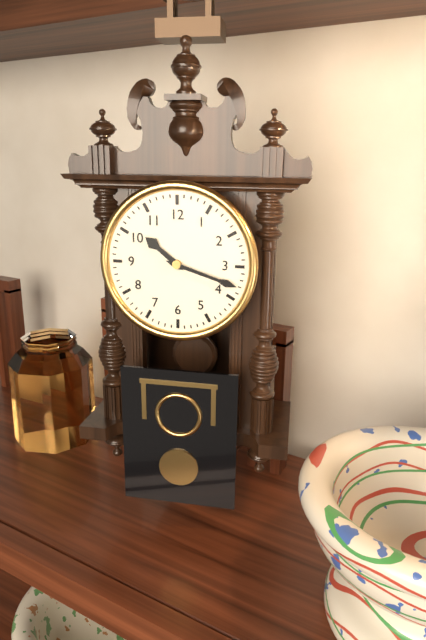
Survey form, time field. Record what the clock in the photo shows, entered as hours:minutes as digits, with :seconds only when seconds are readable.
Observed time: 10:18
